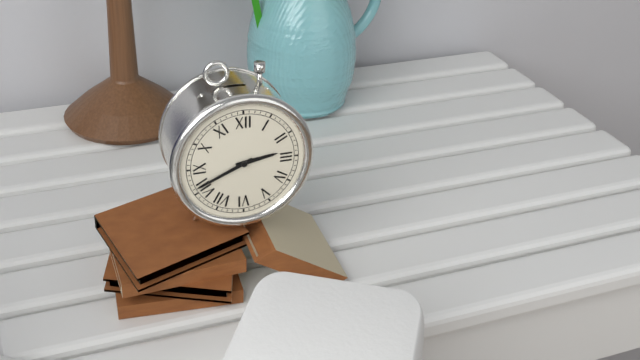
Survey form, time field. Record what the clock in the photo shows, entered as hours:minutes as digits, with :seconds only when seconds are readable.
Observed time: 2:41
